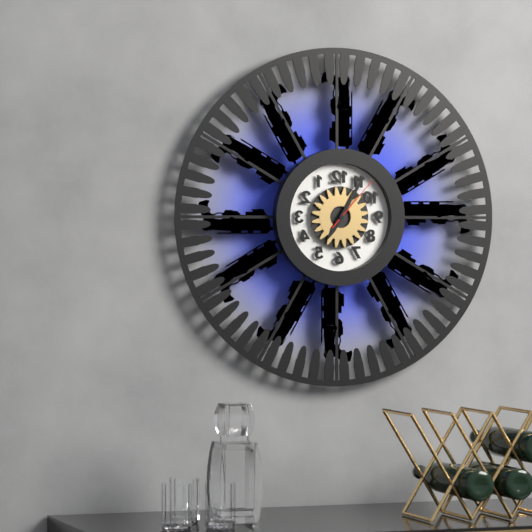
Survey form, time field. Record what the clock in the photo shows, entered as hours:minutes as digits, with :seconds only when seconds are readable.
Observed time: 7:05:07
